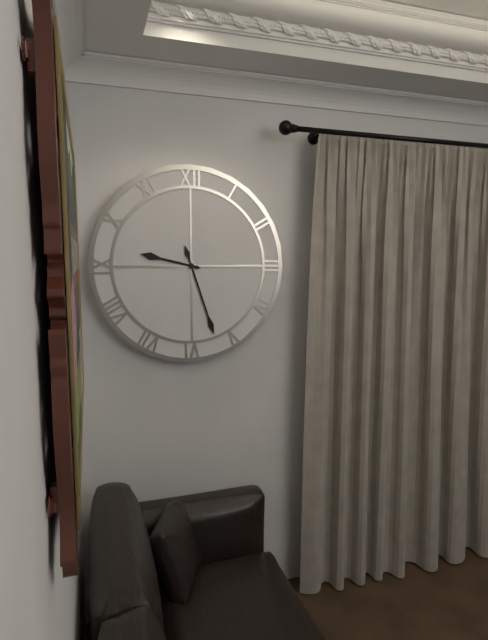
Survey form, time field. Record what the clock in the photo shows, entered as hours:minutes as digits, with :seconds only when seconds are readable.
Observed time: 9:27
